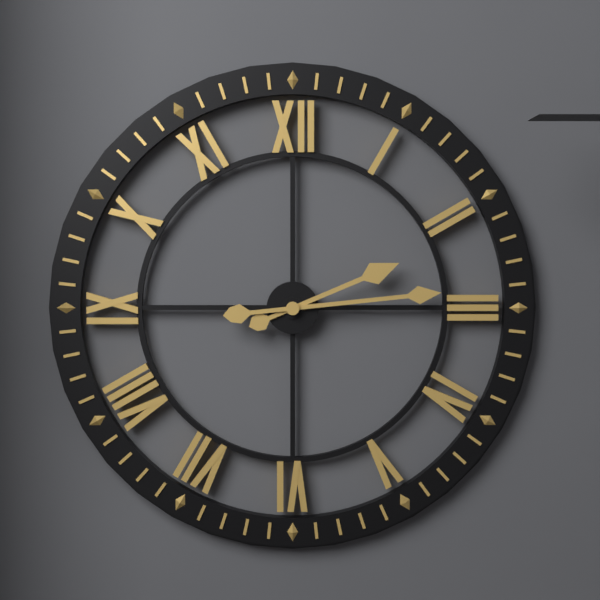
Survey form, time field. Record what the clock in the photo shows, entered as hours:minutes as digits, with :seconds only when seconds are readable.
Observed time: 2:14
